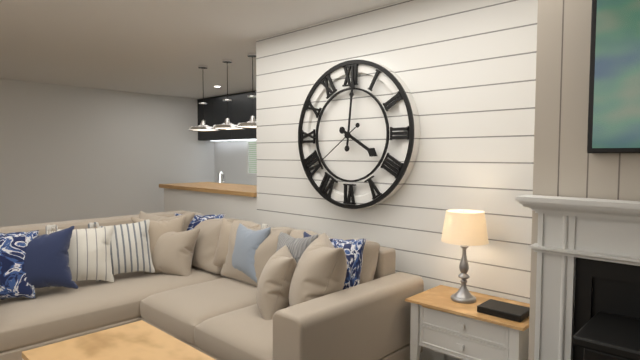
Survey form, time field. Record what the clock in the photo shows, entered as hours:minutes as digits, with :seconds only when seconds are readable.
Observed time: 4:01
